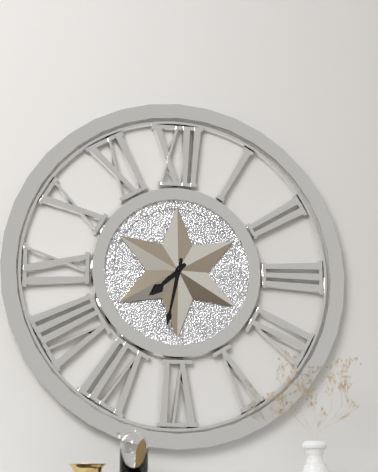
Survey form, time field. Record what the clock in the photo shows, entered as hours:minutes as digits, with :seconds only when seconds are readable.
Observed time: 7:32
